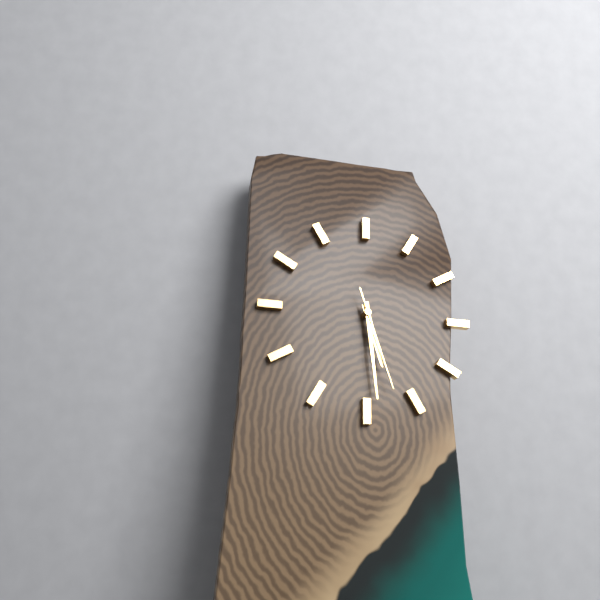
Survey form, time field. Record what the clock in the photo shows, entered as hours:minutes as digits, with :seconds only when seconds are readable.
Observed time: 5:29:27
